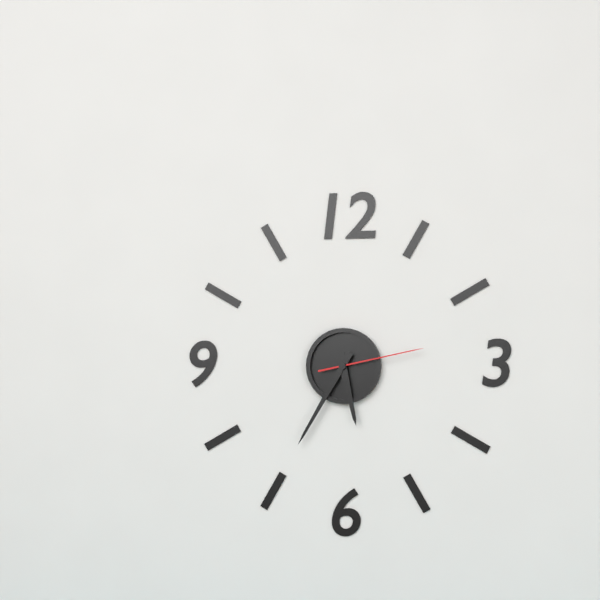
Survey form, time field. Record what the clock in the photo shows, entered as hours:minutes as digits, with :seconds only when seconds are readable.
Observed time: 5:35:13
